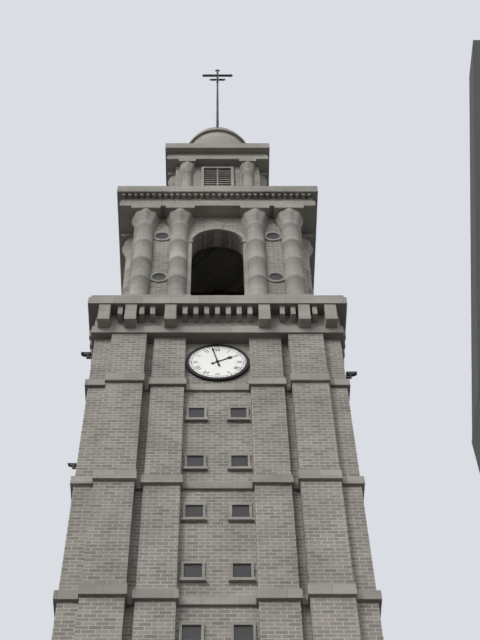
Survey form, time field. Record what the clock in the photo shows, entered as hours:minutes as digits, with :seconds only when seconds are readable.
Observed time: 1:58
